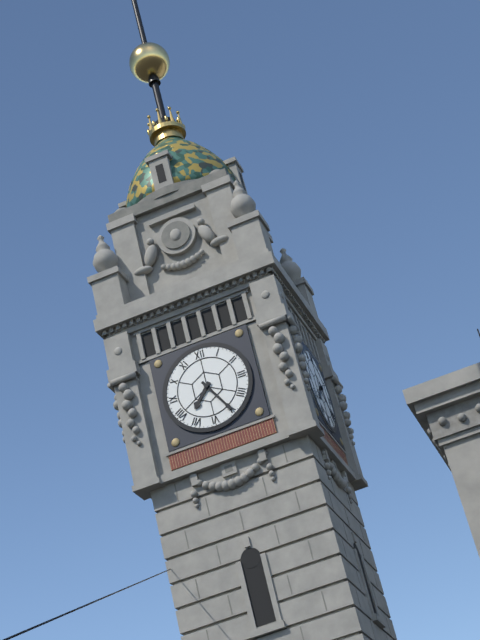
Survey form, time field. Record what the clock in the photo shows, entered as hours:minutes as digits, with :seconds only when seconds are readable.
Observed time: 7:25
